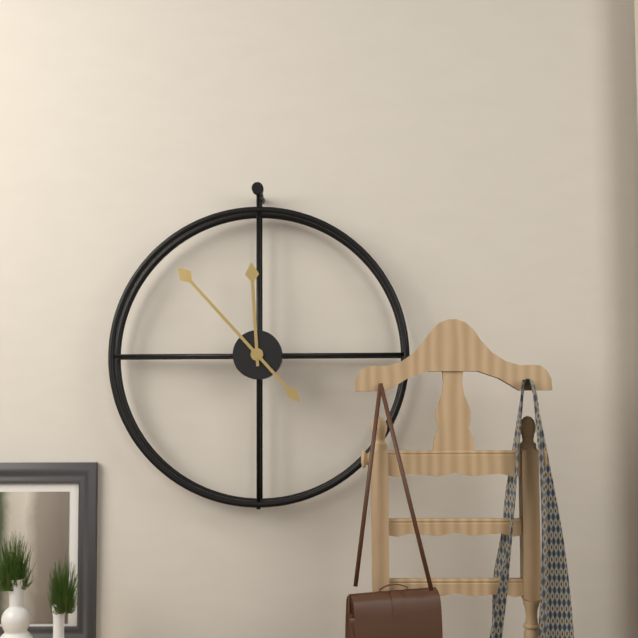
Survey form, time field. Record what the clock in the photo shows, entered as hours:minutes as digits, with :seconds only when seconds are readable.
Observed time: 11:53
